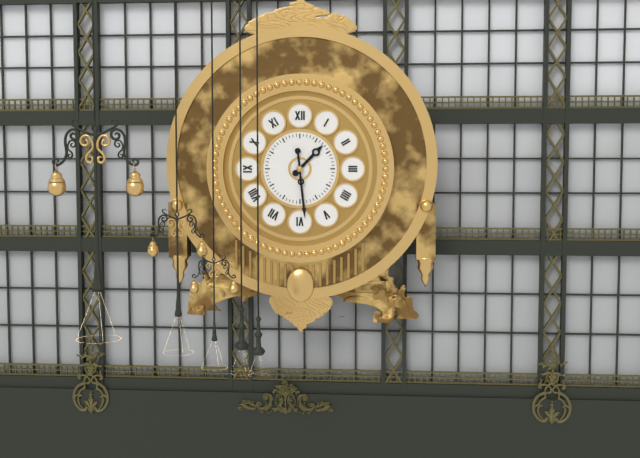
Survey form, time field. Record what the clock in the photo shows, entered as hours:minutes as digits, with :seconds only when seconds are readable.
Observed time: 1:29
